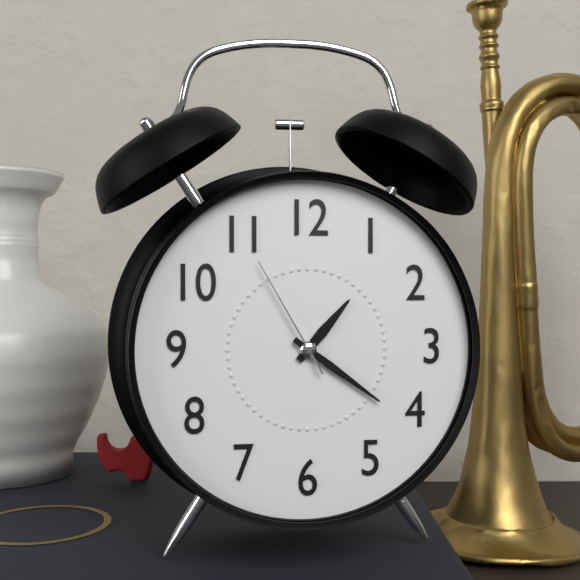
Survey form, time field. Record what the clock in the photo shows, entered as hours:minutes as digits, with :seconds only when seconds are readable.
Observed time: 1:21:55
